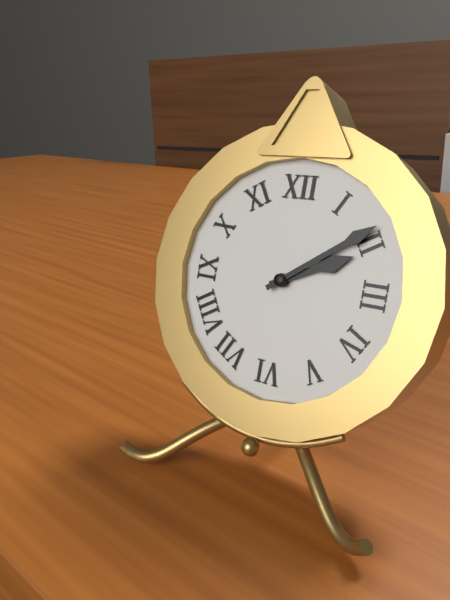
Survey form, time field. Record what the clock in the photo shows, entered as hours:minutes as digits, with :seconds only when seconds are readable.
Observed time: 2:09
